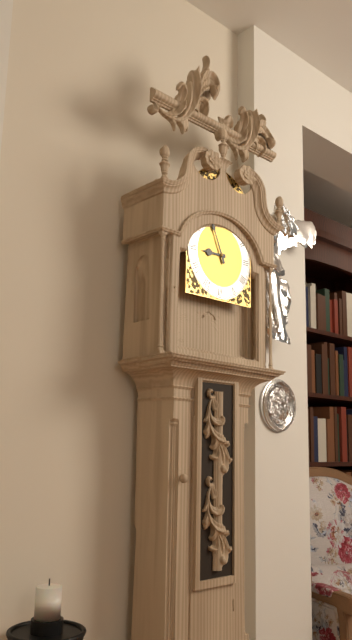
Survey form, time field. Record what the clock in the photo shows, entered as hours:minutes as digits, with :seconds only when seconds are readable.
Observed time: 8:56
